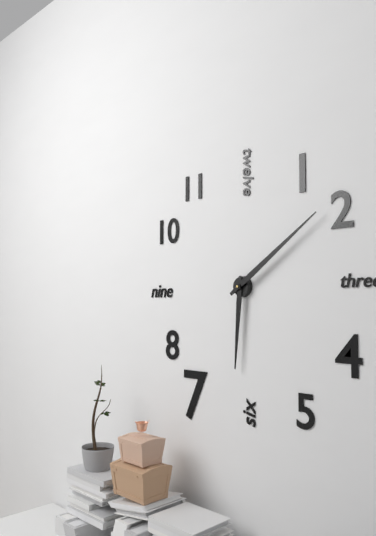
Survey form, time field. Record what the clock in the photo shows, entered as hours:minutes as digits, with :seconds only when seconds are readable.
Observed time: 6:09
